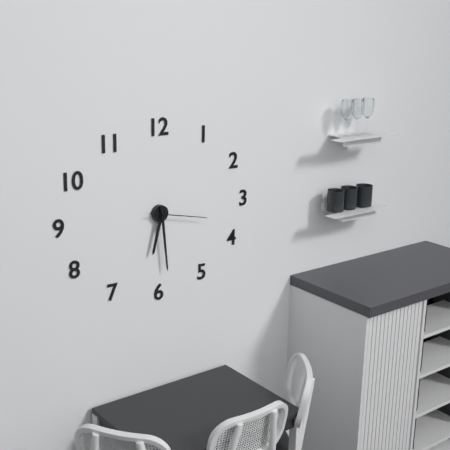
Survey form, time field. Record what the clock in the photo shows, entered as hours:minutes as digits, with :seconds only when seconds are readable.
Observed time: 6:29:17
